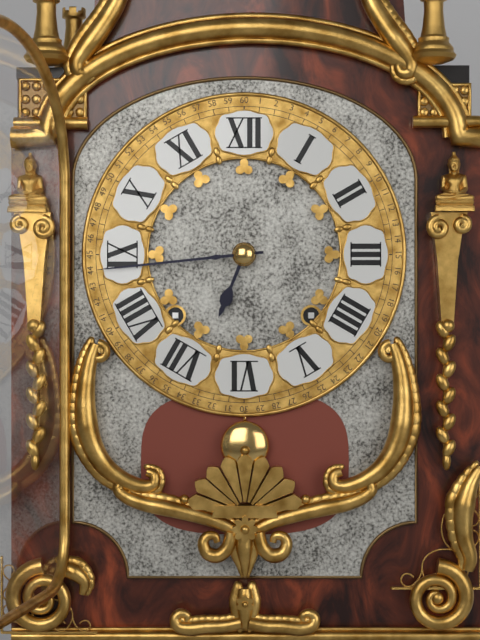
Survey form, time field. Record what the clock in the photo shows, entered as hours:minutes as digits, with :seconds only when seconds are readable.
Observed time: 6:44
